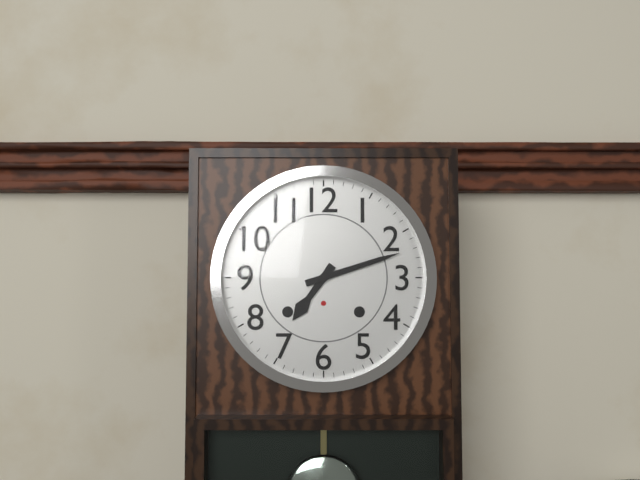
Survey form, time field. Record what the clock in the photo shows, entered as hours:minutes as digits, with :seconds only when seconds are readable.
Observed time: 7:12
